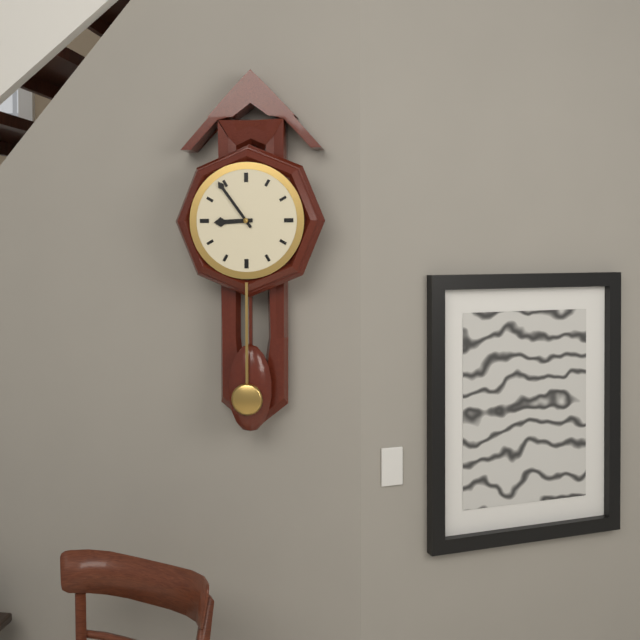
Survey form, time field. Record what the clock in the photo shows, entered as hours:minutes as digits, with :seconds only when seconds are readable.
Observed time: 8:54
